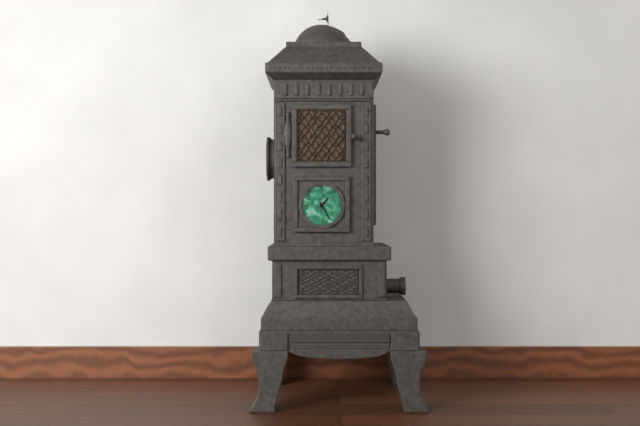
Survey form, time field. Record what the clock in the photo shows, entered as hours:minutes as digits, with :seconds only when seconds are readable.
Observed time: 1:25
